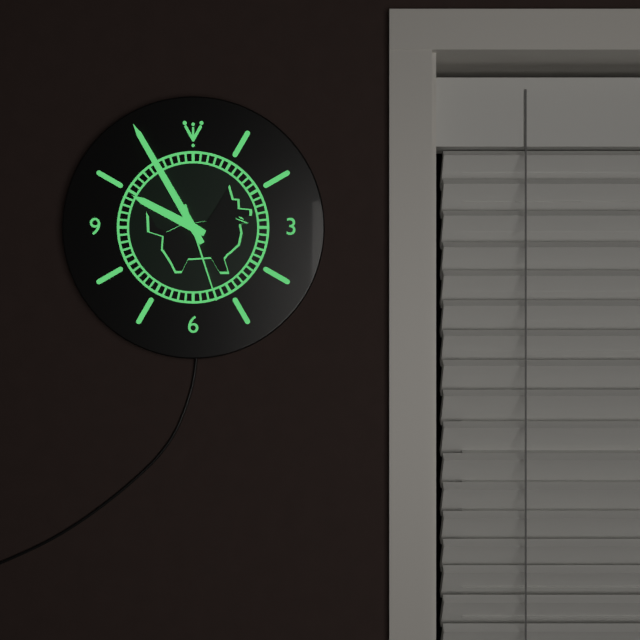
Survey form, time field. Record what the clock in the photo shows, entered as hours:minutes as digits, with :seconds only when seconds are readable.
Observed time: 9:55:27
